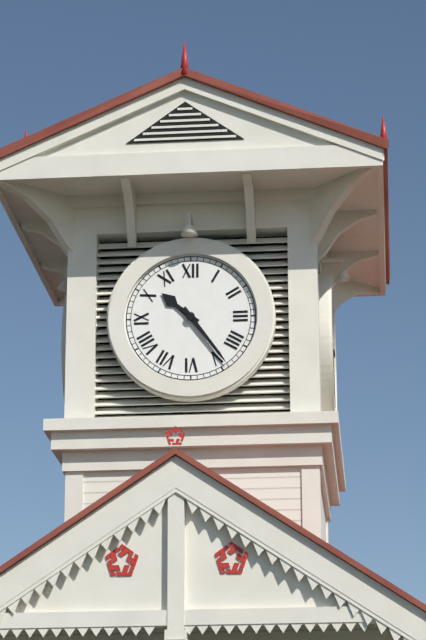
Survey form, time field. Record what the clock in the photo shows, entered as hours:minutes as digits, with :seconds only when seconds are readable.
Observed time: 10:24
